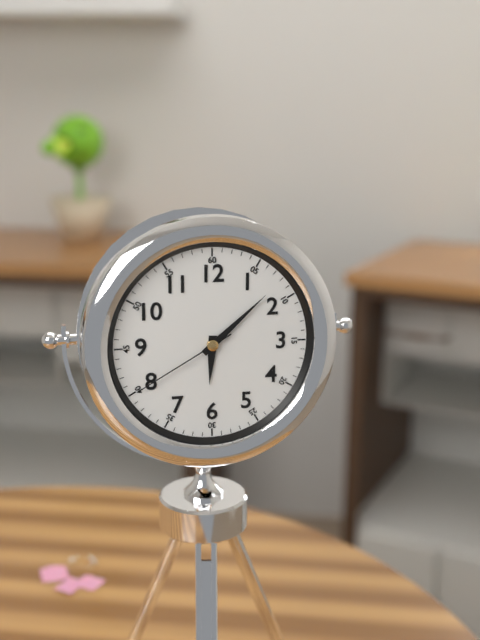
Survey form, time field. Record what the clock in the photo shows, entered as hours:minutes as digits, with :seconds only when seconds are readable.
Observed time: 6:08:40
